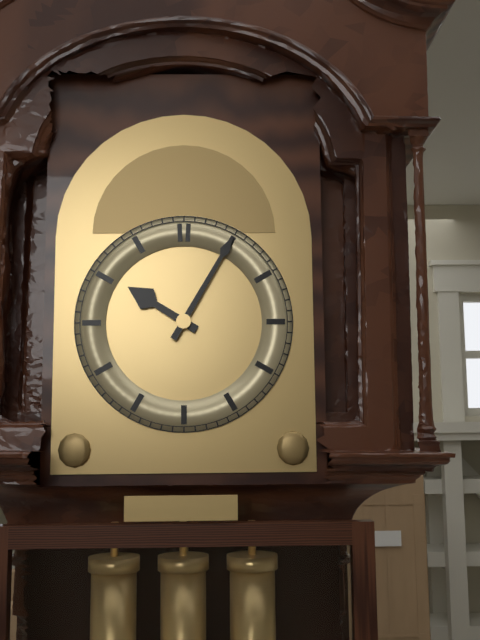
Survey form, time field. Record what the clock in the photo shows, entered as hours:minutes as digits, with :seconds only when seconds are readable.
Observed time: 10:05
